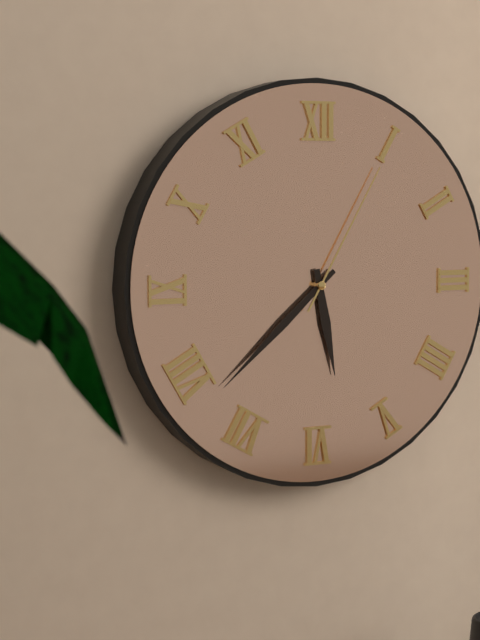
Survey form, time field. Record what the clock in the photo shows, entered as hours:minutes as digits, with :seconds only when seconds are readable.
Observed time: 5:38:05
